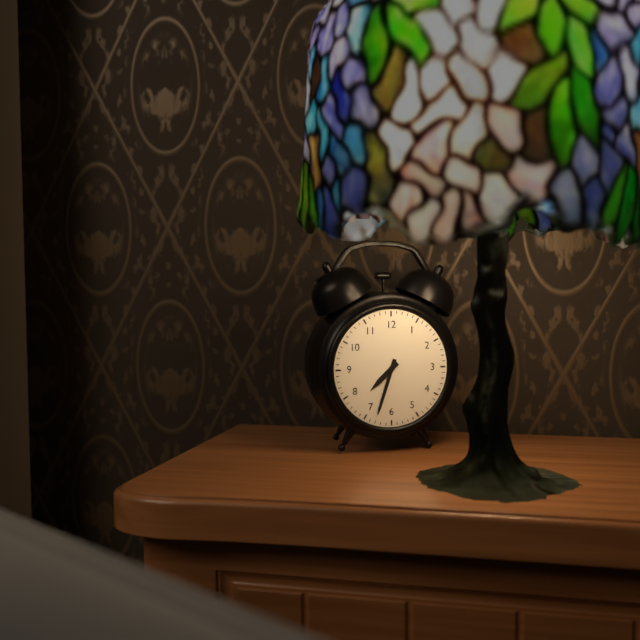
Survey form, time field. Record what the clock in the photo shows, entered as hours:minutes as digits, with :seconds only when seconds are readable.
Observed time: 7:33
